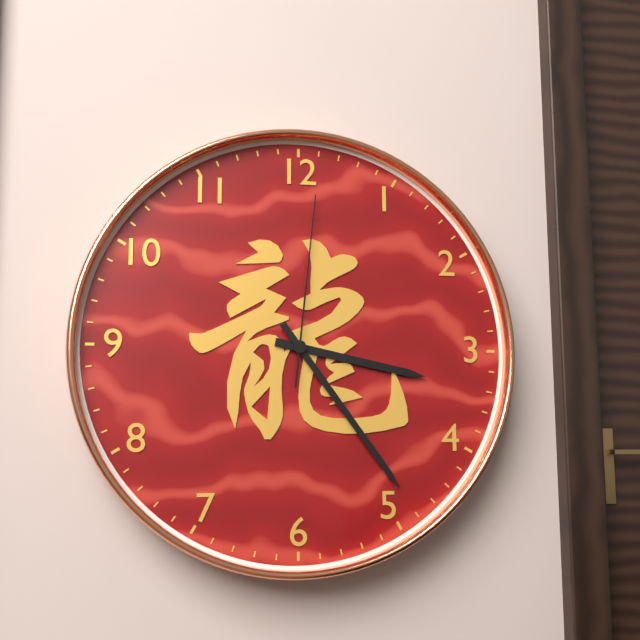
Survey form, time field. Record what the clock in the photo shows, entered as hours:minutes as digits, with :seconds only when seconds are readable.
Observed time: 3:24:01
